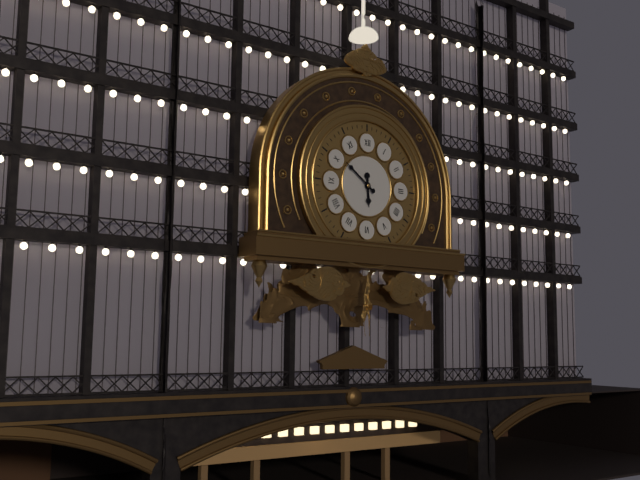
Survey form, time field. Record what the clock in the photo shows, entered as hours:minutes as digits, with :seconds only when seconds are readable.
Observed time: 5:51
